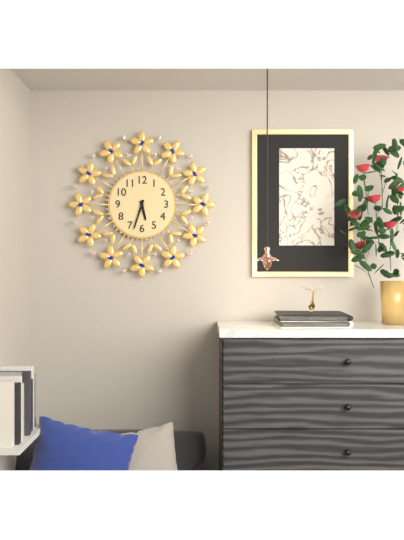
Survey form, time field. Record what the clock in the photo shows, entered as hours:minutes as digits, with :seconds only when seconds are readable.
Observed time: 5:33
